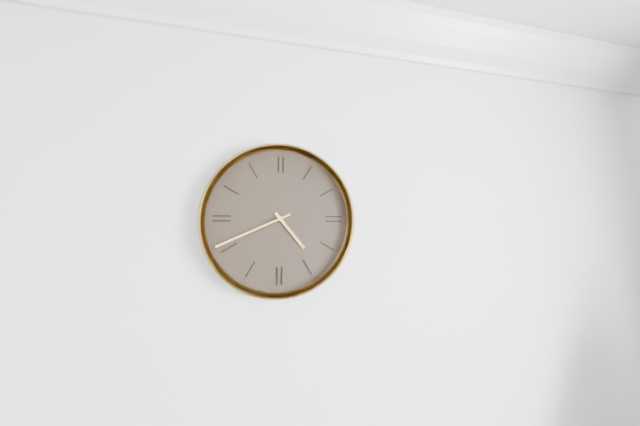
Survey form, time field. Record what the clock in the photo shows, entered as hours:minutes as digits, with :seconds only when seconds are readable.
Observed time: 4:41
